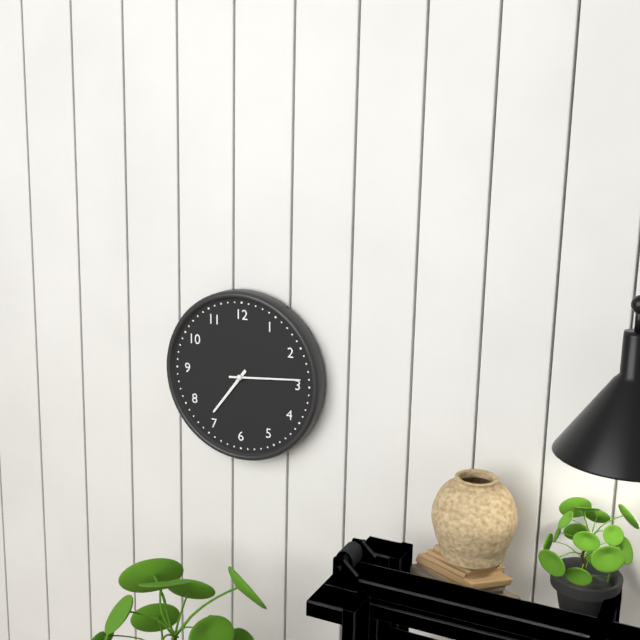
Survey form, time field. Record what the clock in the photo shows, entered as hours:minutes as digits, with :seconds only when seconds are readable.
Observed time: 7:14
